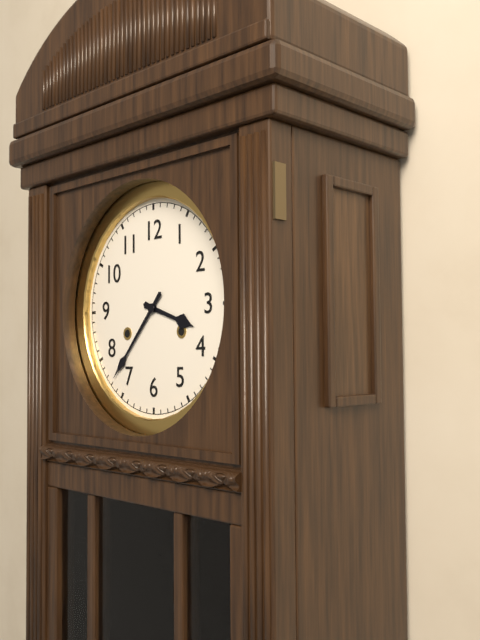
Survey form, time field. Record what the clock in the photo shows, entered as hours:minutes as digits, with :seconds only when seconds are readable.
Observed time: 3:37
